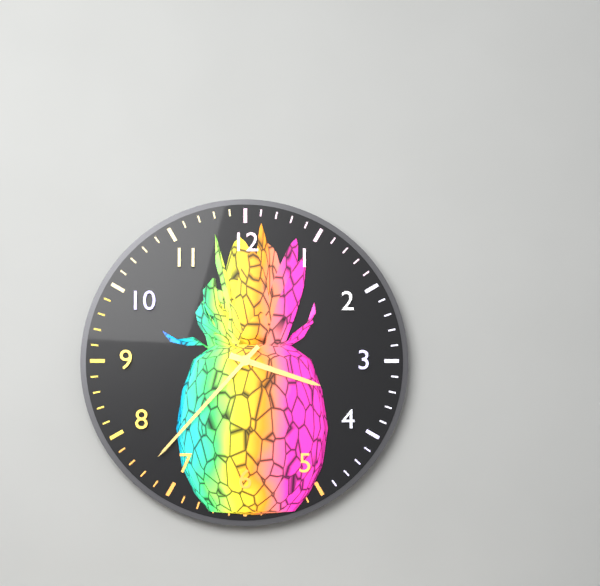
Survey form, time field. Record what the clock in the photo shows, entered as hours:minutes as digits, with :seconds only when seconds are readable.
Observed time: 3:37
